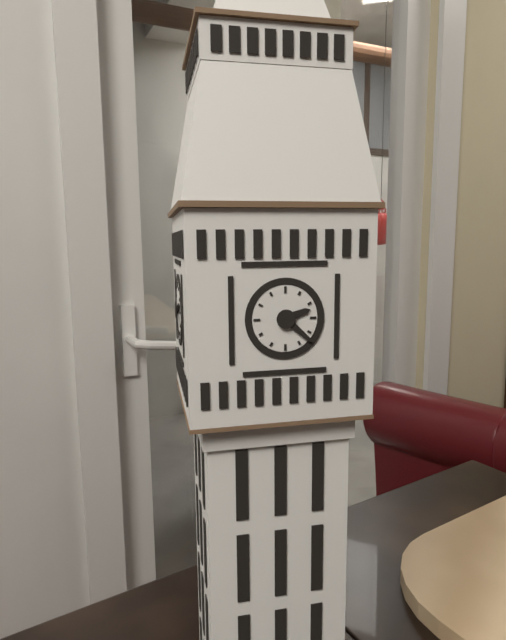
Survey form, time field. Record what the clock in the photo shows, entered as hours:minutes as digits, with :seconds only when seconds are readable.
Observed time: 2:22
